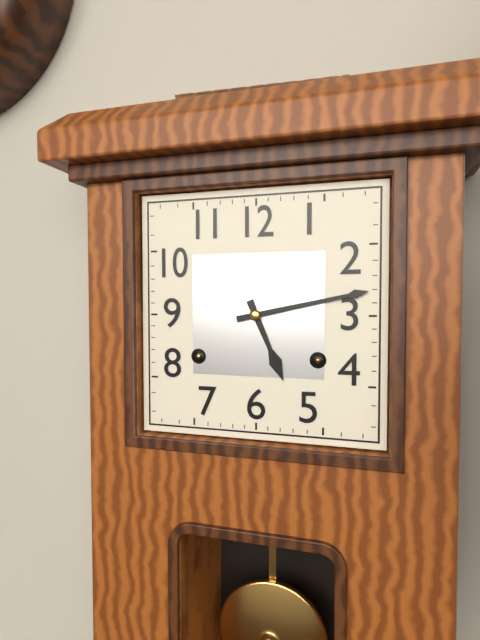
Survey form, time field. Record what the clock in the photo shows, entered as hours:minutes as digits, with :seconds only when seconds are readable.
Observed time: 5:13
